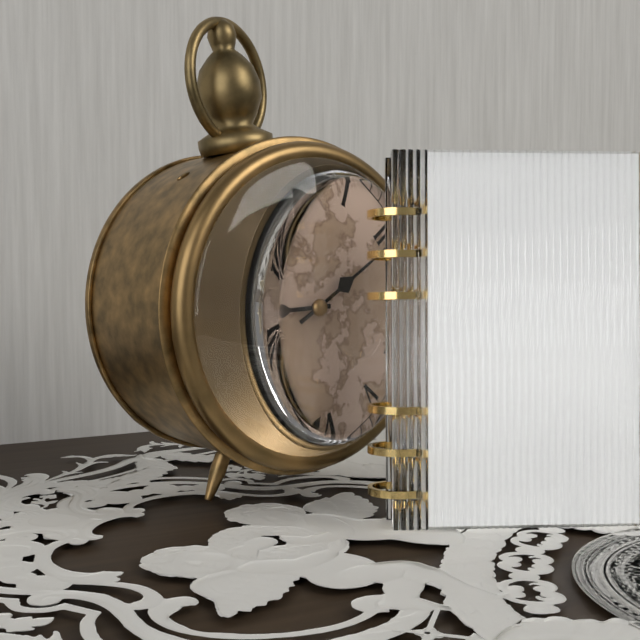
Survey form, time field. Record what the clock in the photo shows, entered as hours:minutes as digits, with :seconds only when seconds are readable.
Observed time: 9:11
